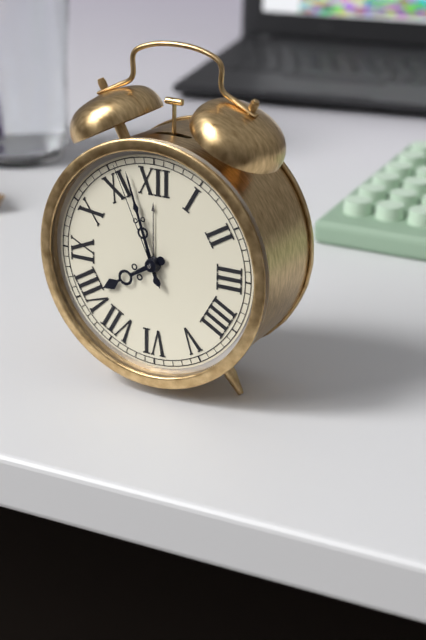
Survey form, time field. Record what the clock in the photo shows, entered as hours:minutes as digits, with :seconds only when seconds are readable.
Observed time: 7:57:56
